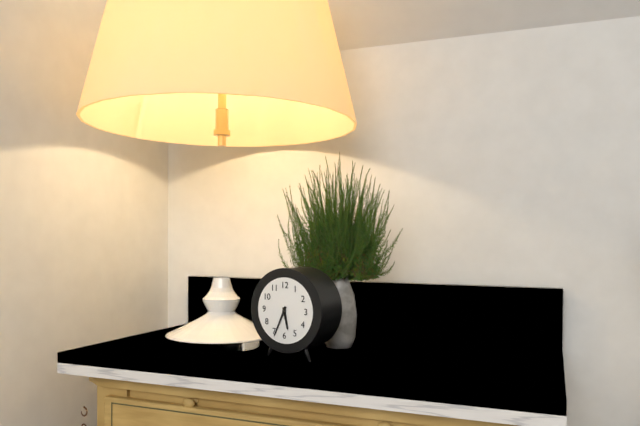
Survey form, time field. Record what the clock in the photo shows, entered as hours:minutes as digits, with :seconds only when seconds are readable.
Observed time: 5:34
